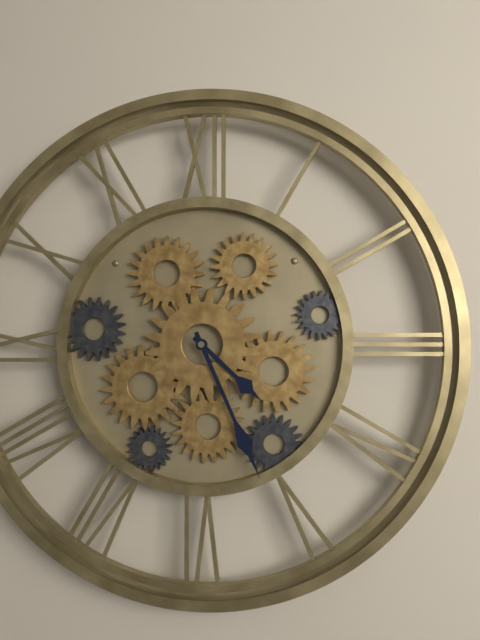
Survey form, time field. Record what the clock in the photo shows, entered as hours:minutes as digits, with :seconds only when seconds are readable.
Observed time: 4:26
